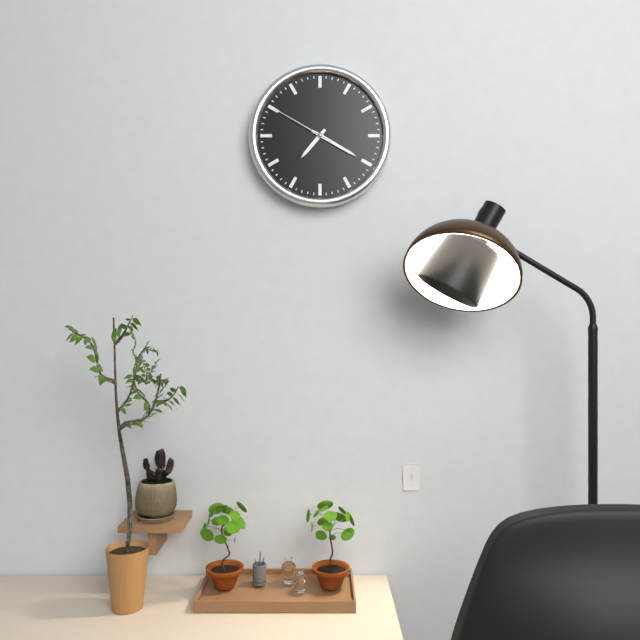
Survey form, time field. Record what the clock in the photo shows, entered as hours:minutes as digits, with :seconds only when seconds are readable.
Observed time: 7:20:50
